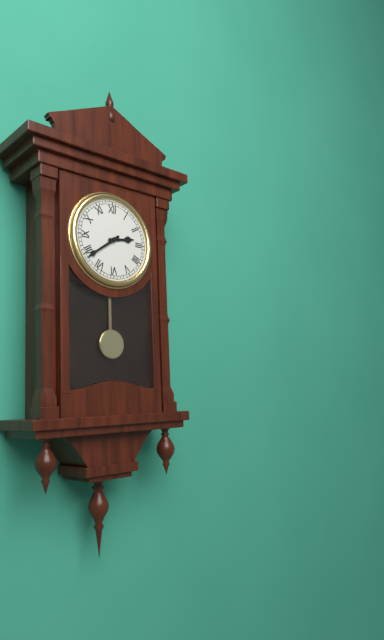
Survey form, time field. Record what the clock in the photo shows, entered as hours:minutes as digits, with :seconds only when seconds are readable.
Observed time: 2:39
